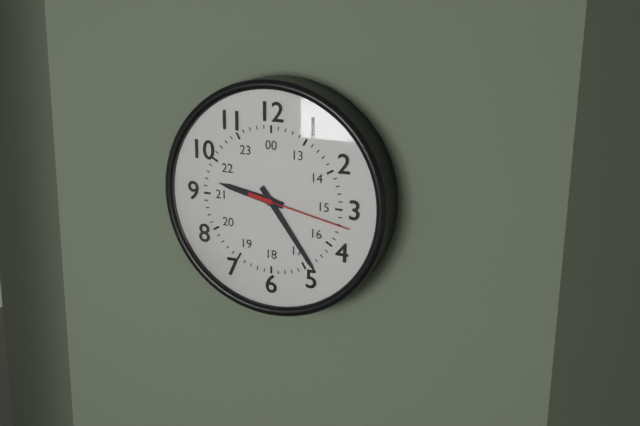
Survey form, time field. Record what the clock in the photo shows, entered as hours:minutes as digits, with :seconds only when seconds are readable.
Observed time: 9:24:17
